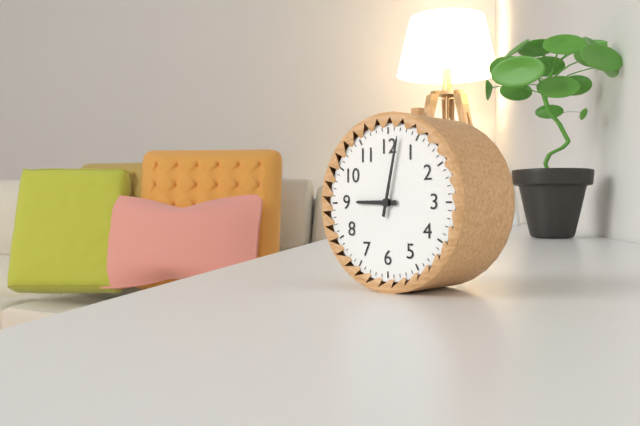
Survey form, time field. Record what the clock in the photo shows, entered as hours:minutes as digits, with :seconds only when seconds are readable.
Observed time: 9:02
